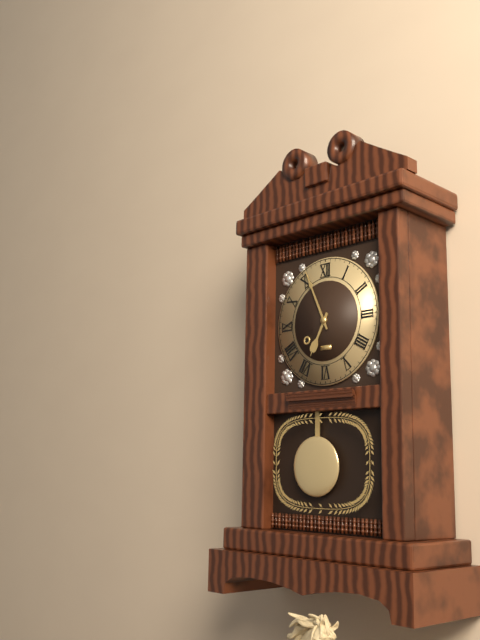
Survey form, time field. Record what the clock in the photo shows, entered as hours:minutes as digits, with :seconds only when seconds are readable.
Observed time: 6:56
